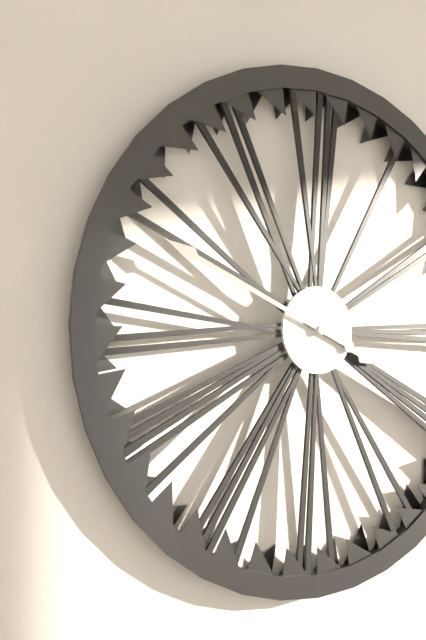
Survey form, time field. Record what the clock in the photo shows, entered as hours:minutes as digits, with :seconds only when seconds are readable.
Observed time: 3:49
